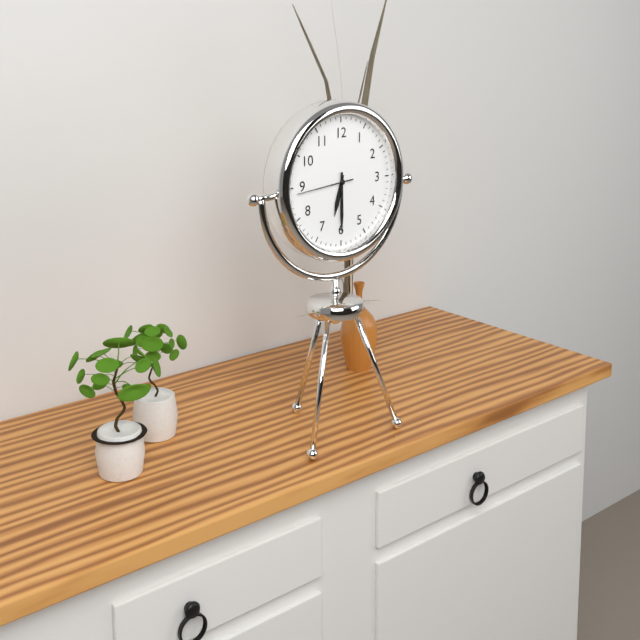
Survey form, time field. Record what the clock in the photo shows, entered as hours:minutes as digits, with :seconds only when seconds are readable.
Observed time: 6:30:44
